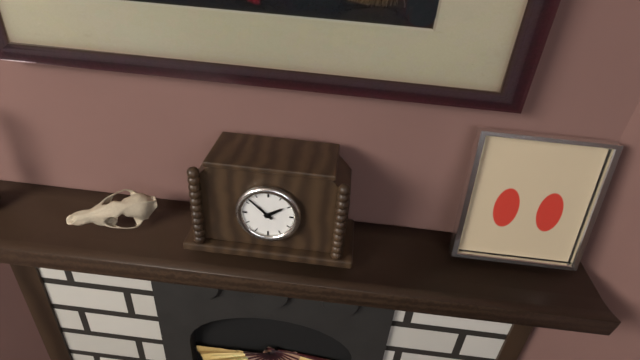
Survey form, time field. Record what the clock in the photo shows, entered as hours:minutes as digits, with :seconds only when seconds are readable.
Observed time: 1:52
